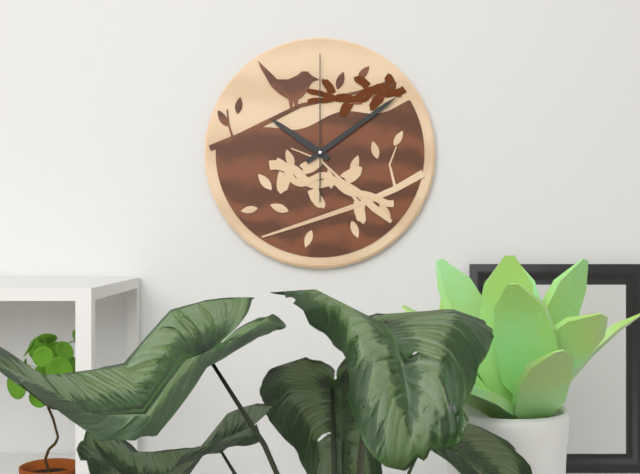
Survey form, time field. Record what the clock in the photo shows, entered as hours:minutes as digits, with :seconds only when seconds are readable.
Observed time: 10:09:00
